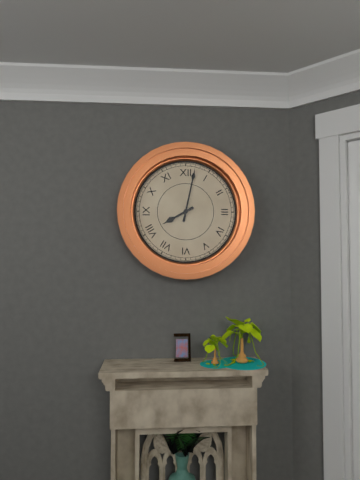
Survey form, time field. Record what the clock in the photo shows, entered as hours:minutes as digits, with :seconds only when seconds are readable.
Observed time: 8:02
